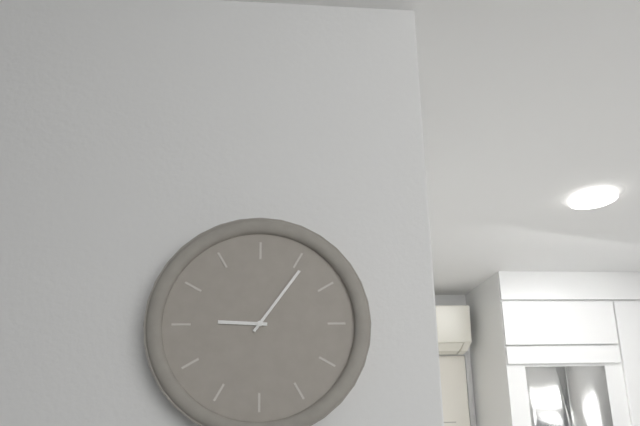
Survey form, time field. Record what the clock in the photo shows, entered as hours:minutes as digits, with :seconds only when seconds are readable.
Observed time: 9:06
